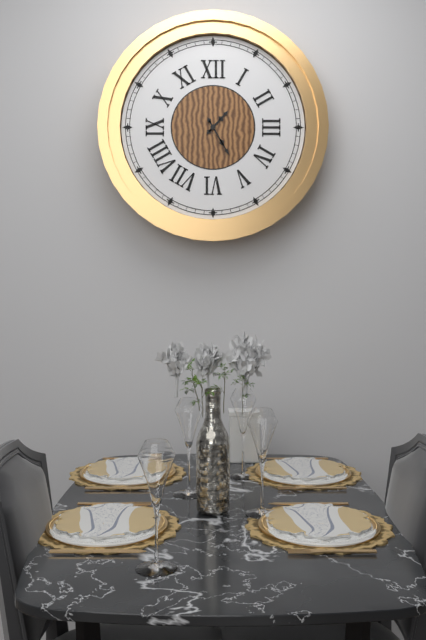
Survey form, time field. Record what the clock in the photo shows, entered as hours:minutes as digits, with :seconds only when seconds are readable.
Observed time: 1:25
